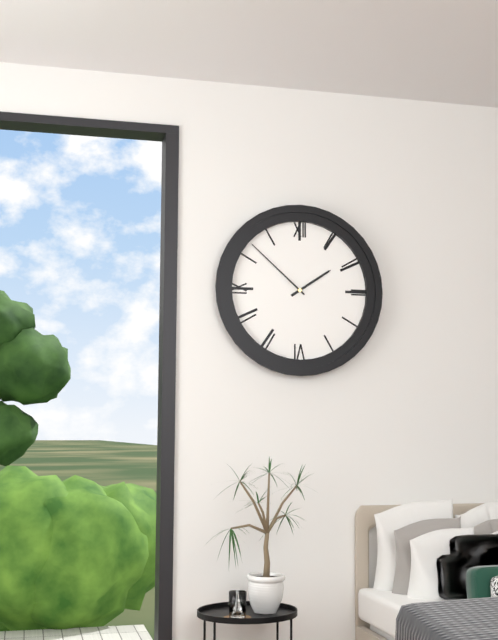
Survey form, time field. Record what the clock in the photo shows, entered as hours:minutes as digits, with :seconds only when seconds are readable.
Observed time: 1:52
